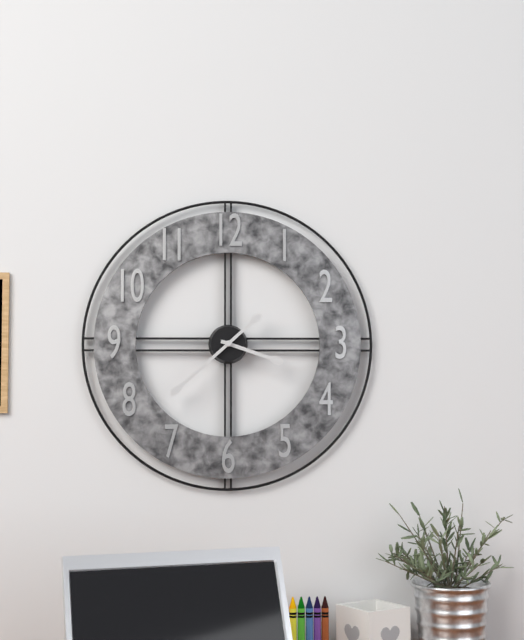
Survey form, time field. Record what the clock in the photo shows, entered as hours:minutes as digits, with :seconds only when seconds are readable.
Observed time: 3:38
